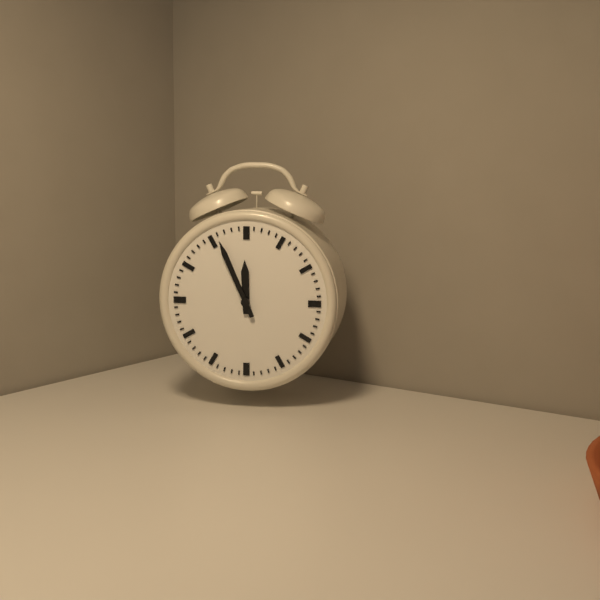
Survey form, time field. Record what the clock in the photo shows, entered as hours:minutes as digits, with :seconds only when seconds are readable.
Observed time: 11:56
